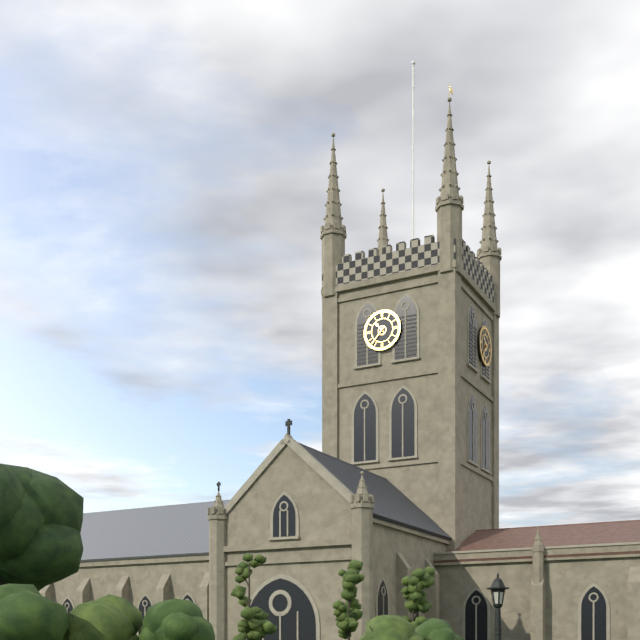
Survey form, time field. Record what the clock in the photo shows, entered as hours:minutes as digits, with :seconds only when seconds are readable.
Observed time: 10:37
